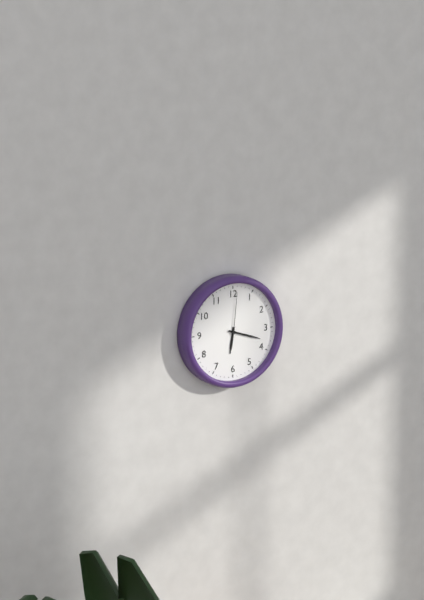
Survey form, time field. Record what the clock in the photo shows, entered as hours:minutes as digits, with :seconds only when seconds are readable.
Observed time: 6:18
